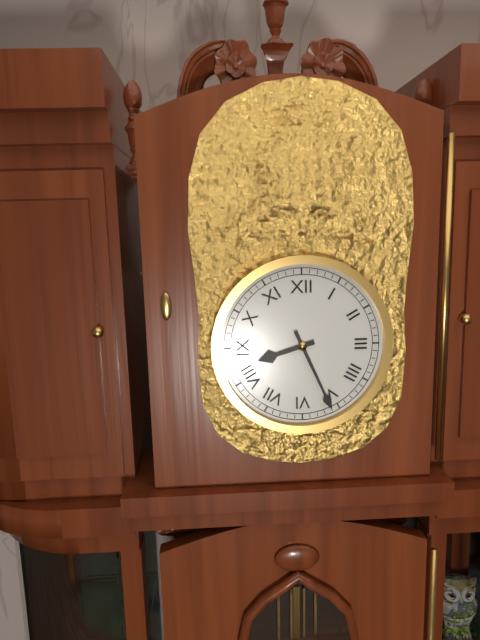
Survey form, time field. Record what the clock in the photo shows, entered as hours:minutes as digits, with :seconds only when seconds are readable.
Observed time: 8:26
